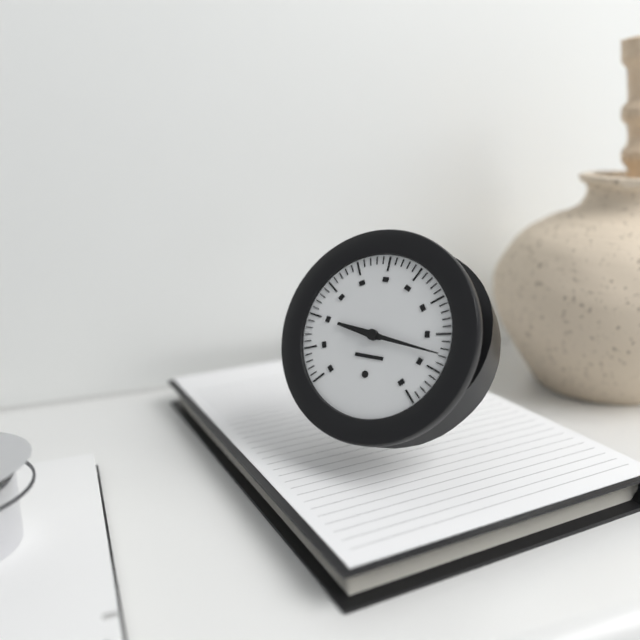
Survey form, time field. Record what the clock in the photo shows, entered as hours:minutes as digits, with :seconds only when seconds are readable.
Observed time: 9:16
